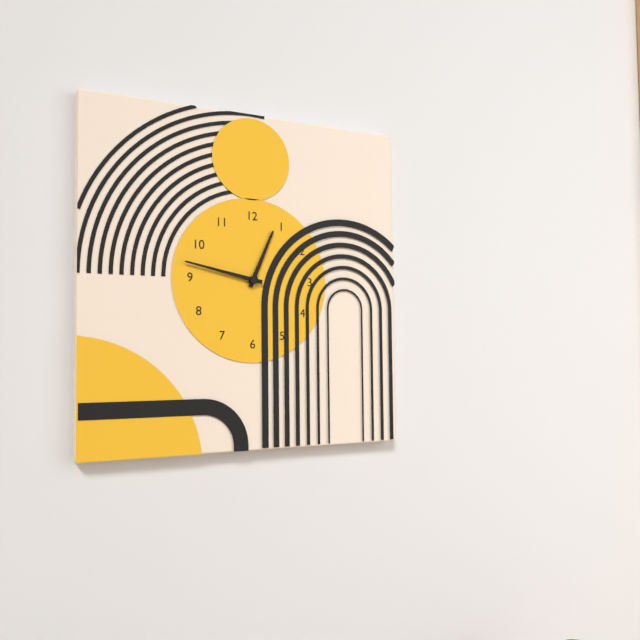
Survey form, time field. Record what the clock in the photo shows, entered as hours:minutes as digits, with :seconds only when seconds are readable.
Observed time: 12:47
